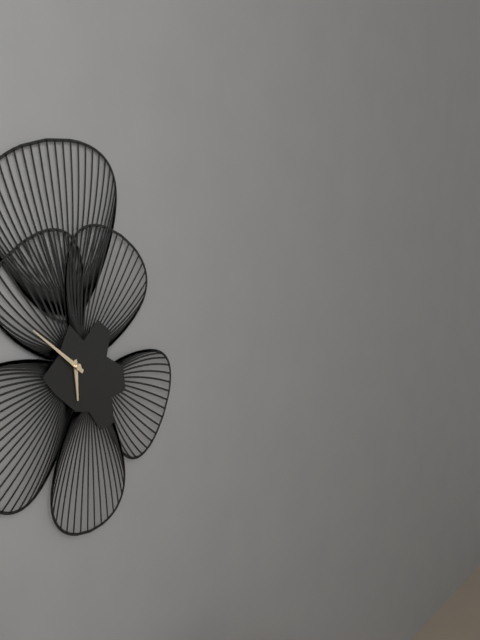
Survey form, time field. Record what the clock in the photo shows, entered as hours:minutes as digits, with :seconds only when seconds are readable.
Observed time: 5:51
